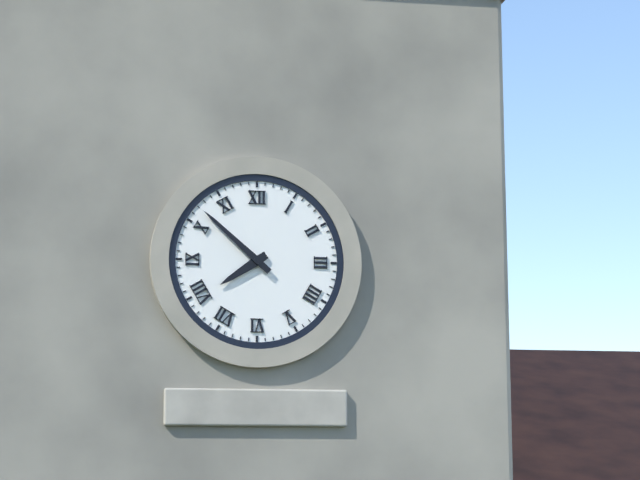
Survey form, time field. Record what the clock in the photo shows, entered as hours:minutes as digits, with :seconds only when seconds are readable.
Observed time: 7:52
